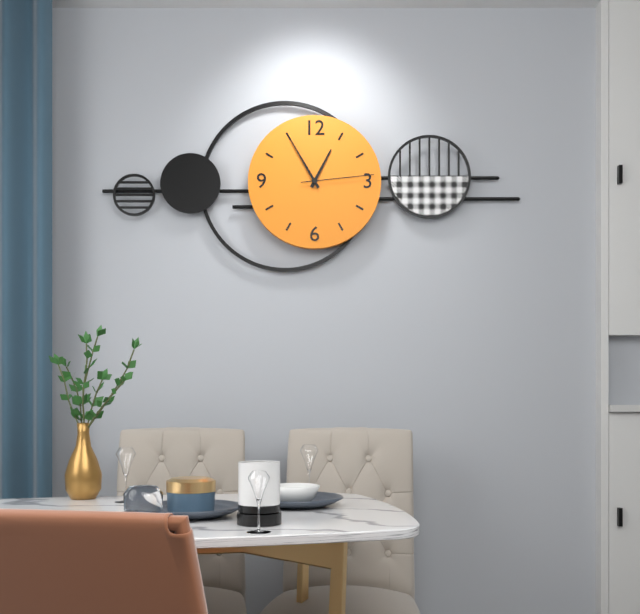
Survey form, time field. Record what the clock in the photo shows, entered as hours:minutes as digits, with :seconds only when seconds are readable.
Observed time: 12:55:14
